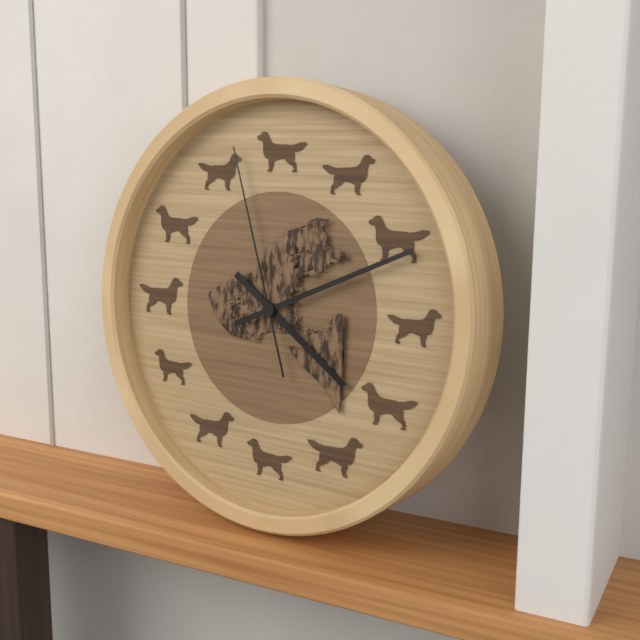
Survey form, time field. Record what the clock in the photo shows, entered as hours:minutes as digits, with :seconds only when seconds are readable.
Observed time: 4:11:57
